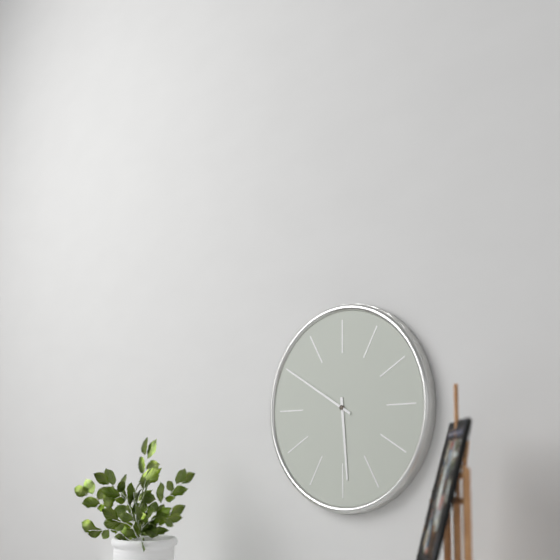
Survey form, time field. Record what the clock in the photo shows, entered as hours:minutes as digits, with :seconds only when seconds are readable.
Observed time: 5:50
